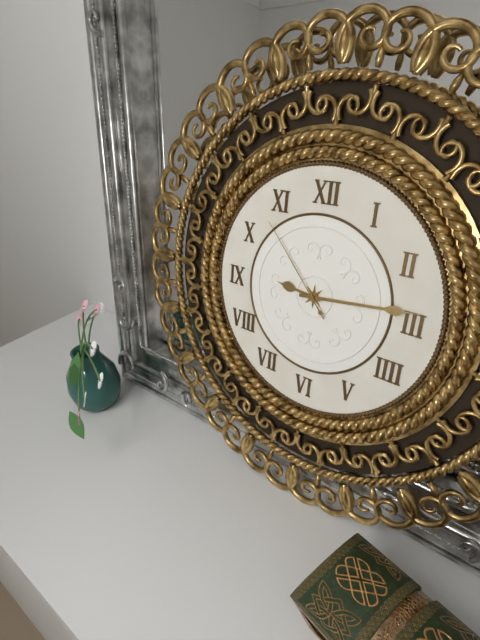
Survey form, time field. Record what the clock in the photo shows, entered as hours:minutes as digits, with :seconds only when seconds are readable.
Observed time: 9:14:53
